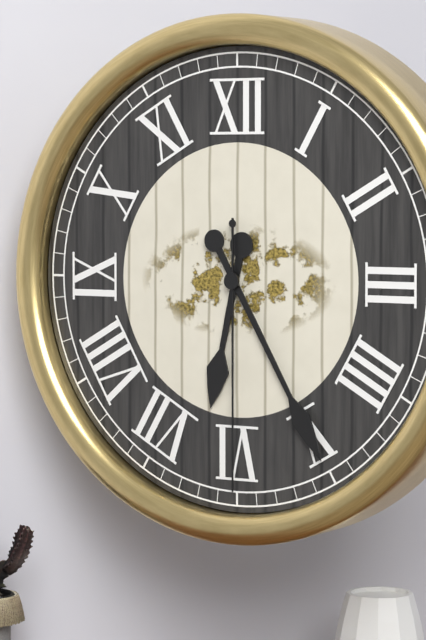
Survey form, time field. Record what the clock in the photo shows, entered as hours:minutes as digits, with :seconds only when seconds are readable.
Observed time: 6:25:30
